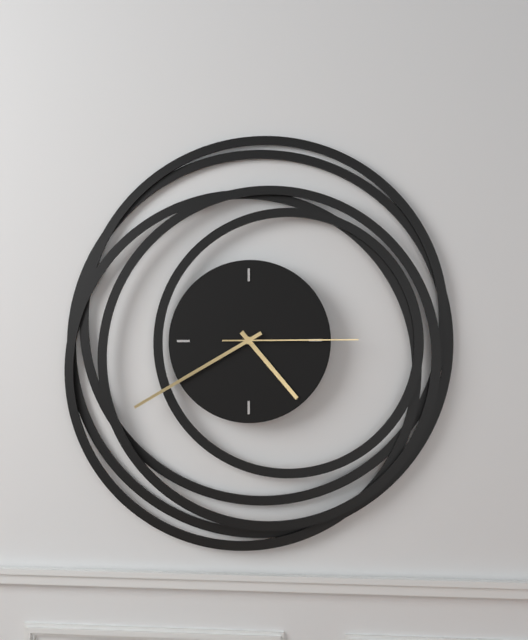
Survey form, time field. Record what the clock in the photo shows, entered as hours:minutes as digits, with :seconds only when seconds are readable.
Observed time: 4:40:15
